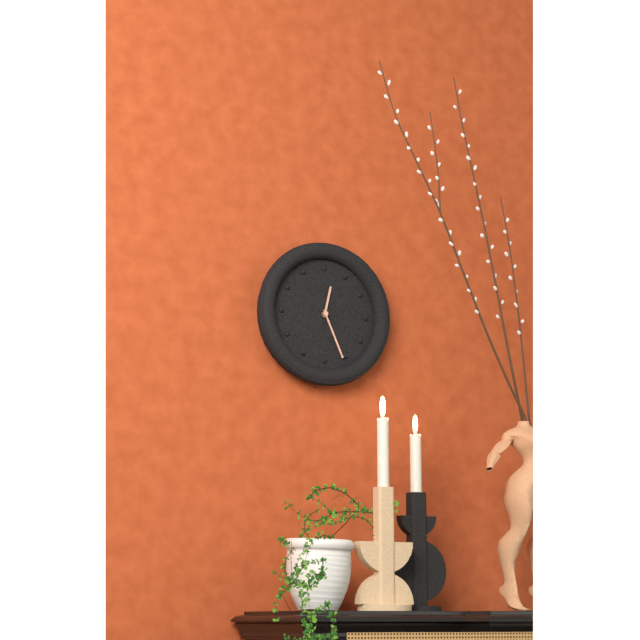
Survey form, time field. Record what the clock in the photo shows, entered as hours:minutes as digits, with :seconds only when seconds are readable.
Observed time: 12:26
